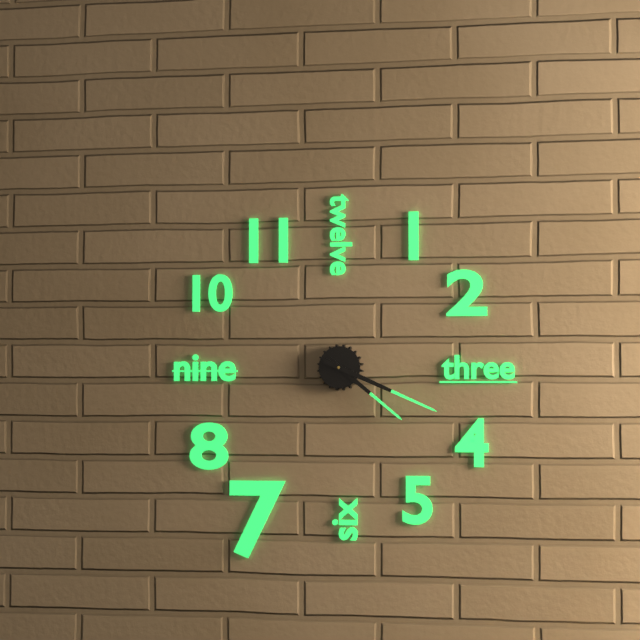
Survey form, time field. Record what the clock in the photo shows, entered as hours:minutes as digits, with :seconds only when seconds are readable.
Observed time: 4:19
